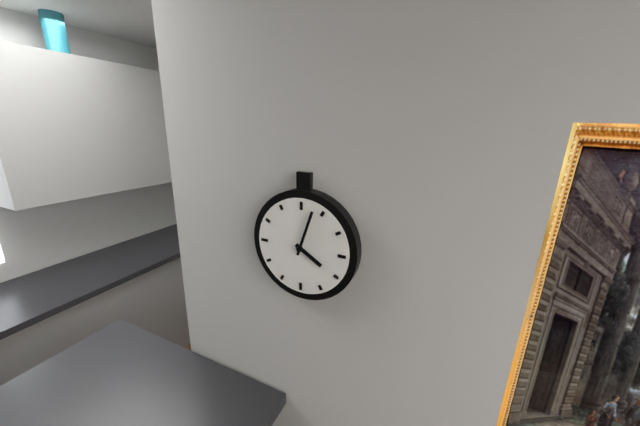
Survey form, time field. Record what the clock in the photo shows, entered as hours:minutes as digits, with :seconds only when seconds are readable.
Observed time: 4:03
